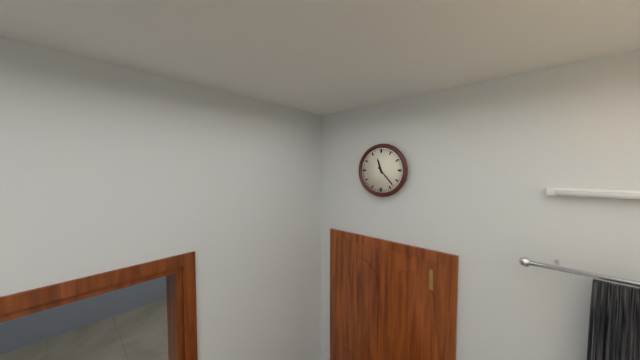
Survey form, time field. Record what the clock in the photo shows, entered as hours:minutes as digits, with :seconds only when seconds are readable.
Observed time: 11:23
